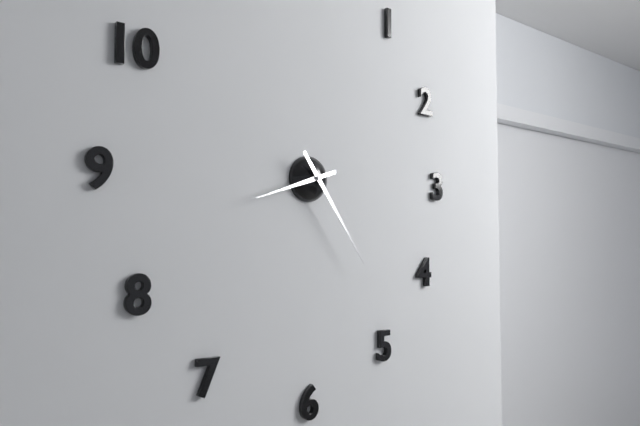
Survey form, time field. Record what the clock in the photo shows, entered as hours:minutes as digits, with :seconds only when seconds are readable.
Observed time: 8:24
